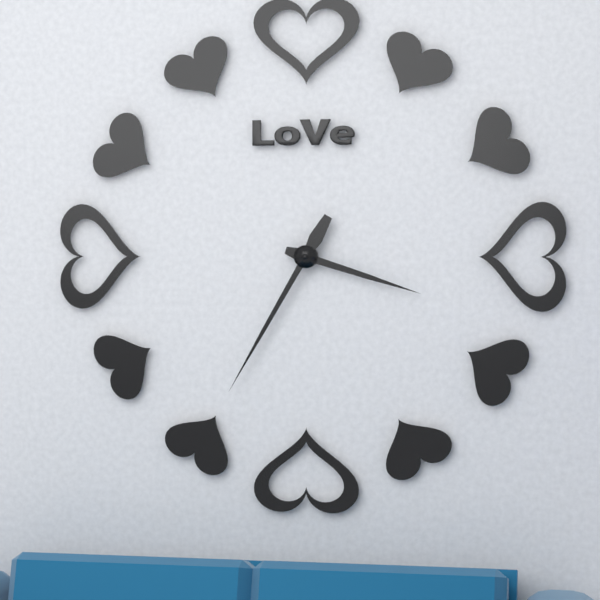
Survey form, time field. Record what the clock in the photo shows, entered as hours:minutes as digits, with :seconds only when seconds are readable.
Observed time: 3:35
